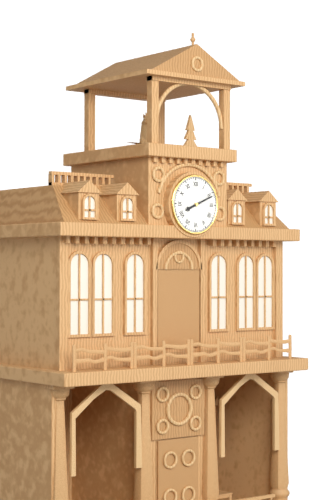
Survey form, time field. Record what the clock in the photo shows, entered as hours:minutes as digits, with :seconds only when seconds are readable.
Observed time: 8:11
